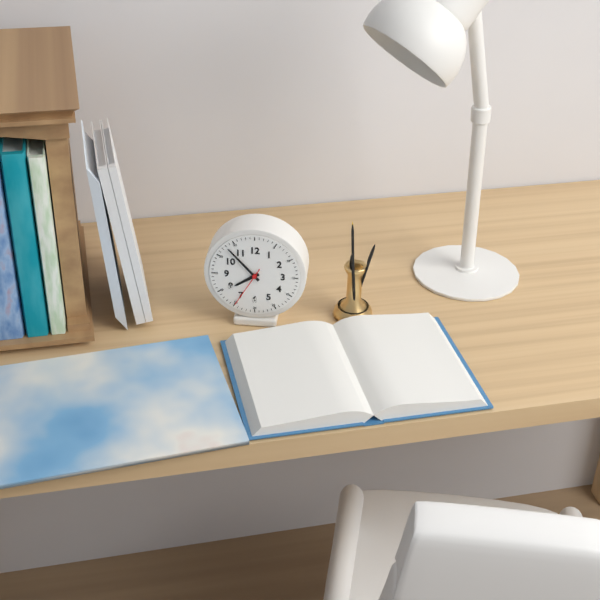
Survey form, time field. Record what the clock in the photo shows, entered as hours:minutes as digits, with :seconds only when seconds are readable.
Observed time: 7:53
